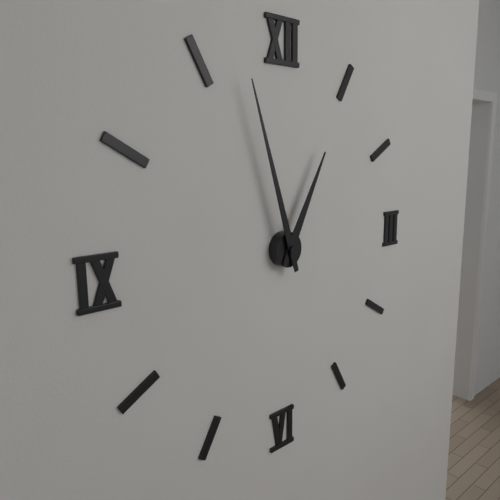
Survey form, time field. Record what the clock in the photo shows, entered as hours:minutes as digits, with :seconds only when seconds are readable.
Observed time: 12:57
